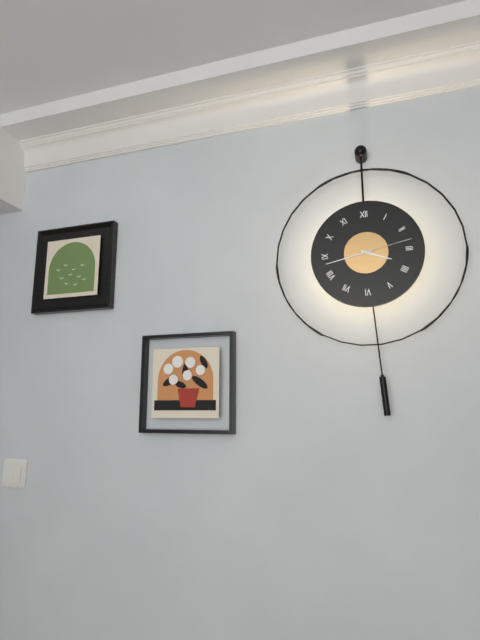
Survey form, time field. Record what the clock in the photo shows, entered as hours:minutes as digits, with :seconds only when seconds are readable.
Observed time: 3:43:13
